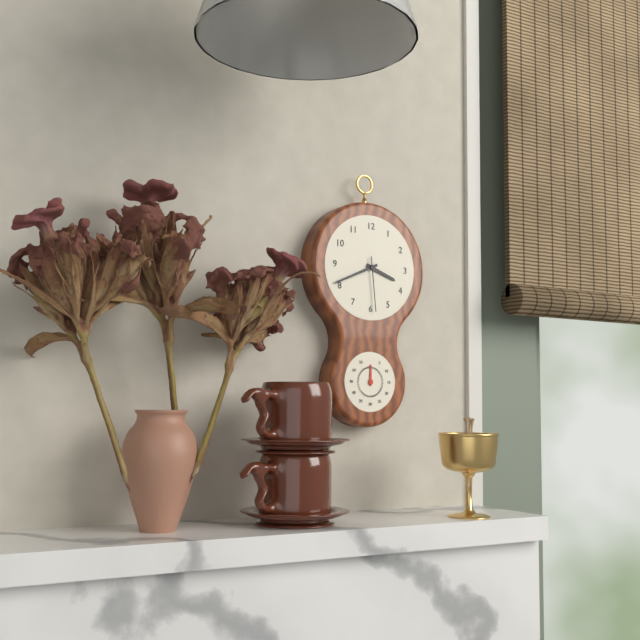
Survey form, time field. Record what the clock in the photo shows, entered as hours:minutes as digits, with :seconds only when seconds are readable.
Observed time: 3:41:29
